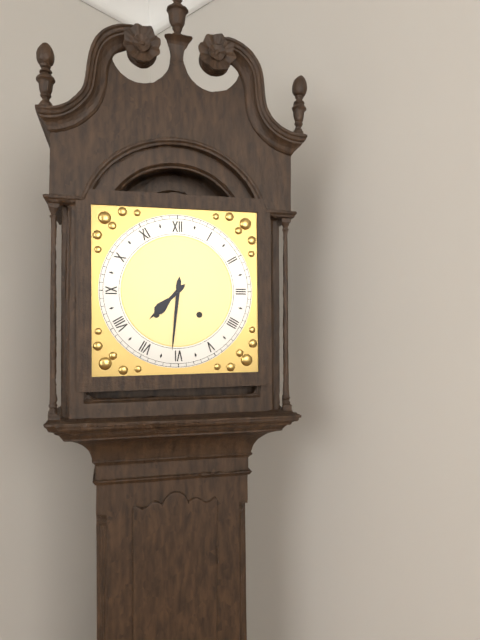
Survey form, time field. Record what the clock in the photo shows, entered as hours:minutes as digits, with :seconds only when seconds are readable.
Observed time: 7:31
